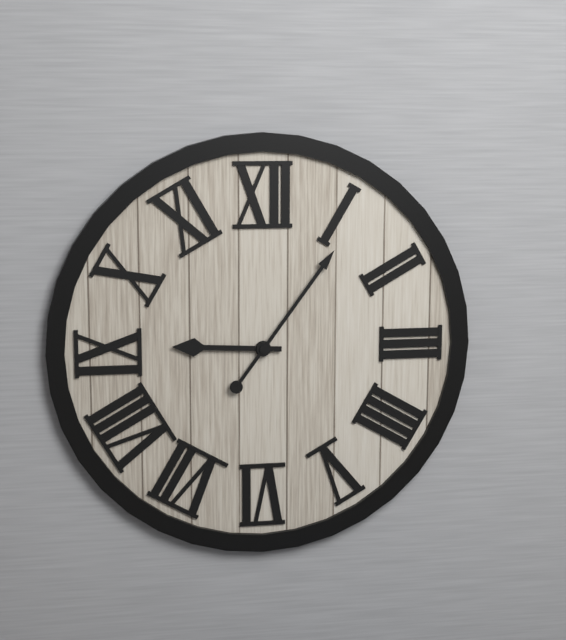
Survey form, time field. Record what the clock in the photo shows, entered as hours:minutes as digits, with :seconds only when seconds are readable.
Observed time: 9:06
